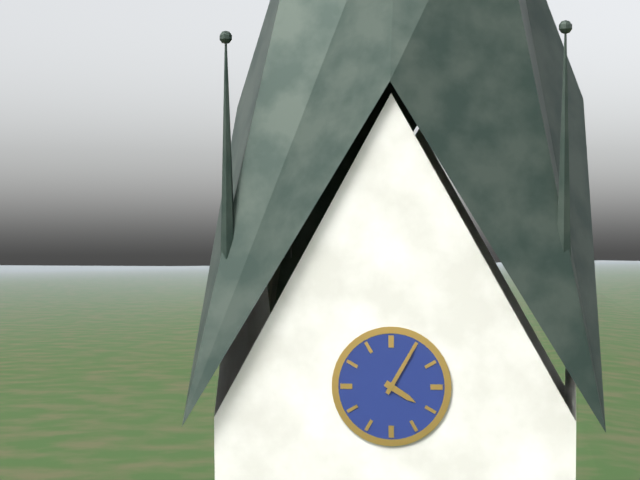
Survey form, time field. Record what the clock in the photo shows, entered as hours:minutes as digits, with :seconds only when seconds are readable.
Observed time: 4:05
